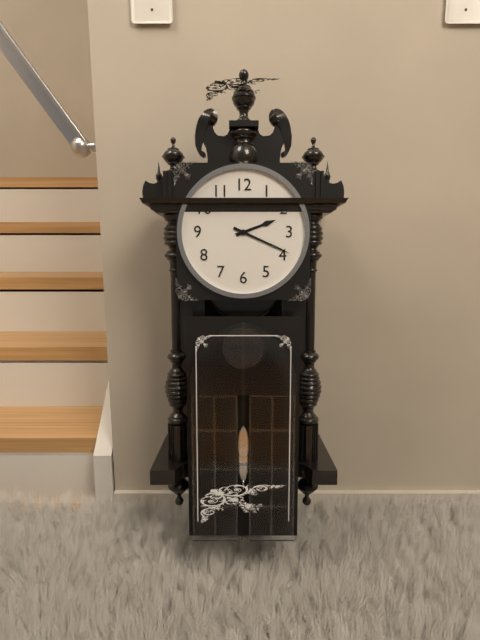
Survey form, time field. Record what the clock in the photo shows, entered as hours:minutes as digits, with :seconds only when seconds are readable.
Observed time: 2:19
